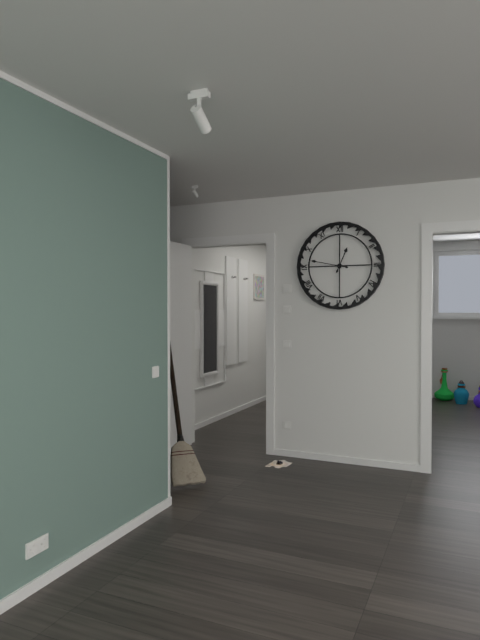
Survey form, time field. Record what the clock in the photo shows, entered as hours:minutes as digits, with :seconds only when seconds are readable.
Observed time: 12:47
